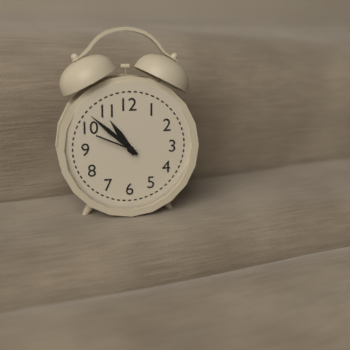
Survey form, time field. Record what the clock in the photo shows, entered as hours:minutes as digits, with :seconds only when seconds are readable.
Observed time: 10:52
